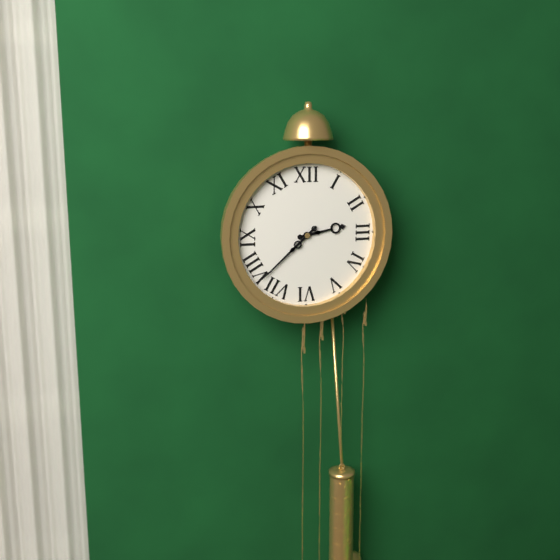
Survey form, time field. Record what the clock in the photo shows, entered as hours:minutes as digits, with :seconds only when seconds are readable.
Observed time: 2:38
